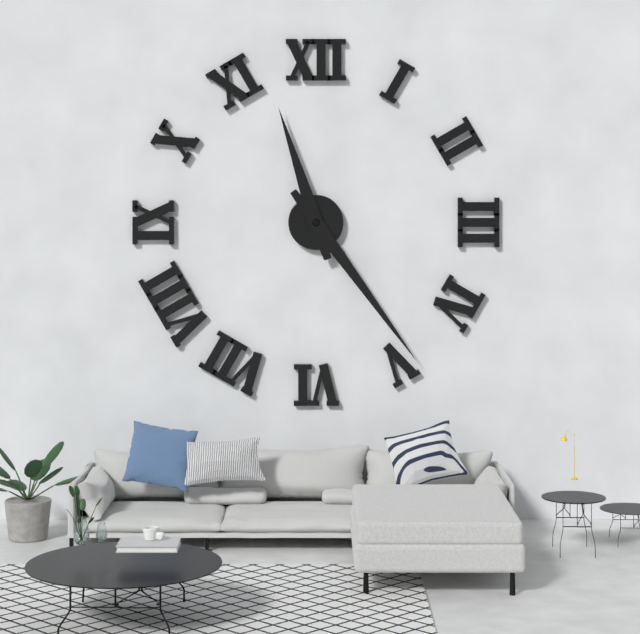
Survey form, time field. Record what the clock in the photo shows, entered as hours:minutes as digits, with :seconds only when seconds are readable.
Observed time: 11:24
